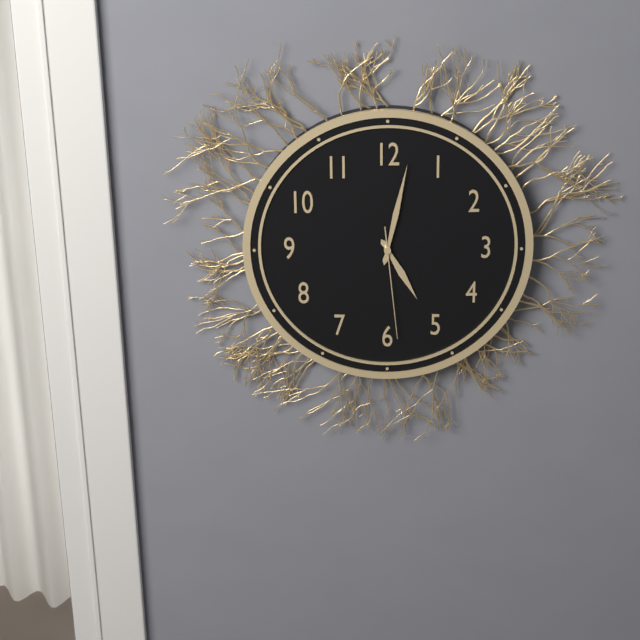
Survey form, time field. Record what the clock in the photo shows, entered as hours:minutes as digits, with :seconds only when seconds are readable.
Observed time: 5:02:29
